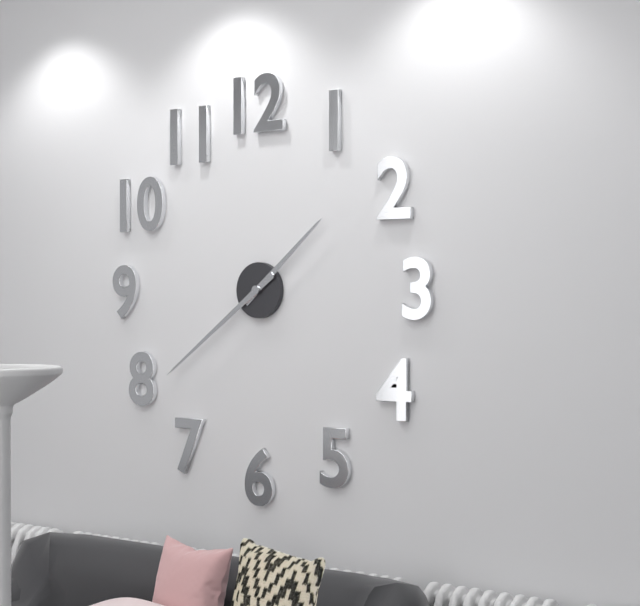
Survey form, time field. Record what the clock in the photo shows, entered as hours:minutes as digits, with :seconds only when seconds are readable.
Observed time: 1:39
